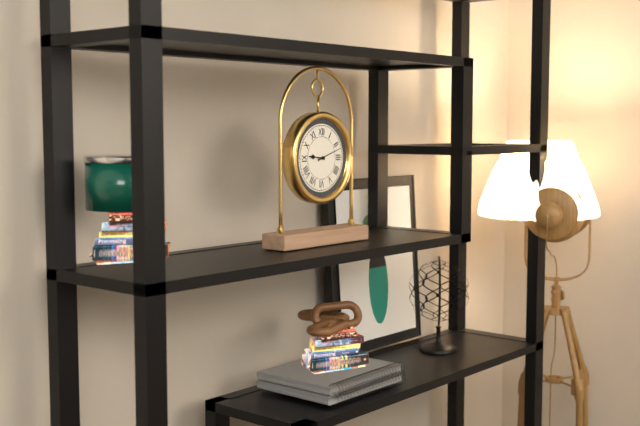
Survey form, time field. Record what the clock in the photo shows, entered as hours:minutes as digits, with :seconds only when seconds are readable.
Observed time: 9:12
